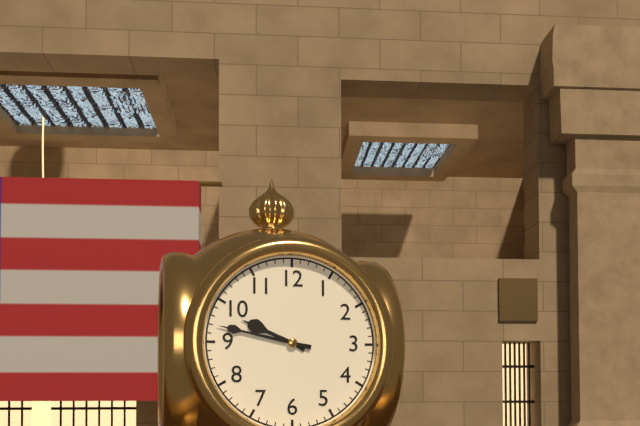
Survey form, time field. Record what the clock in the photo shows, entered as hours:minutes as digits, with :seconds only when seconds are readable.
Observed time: 9:47
